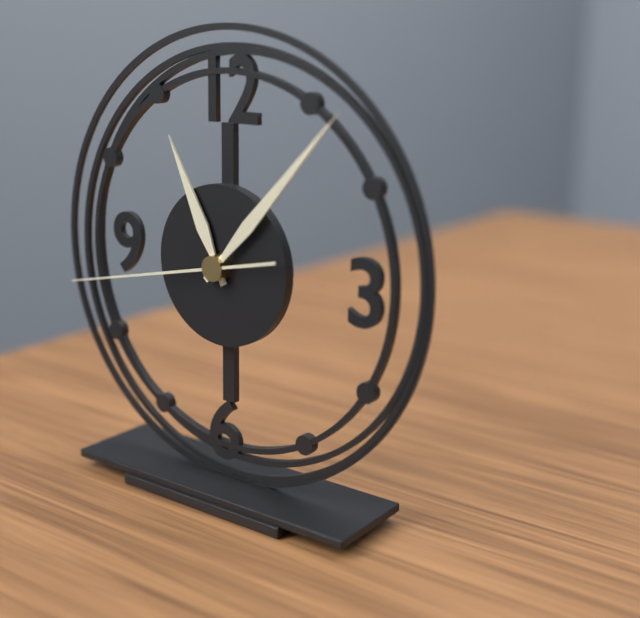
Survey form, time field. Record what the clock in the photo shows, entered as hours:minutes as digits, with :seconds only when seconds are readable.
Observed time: 11:07:43
